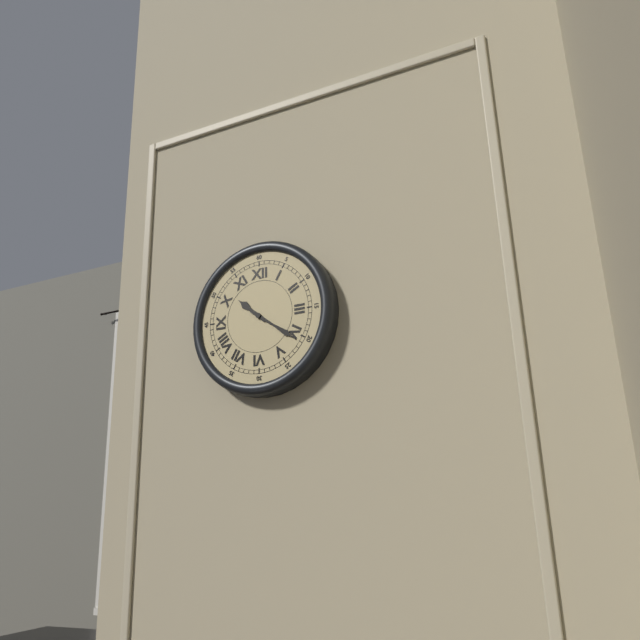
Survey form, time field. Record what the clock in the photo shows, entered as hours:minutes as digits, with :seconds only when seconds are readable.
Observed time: 10:21
